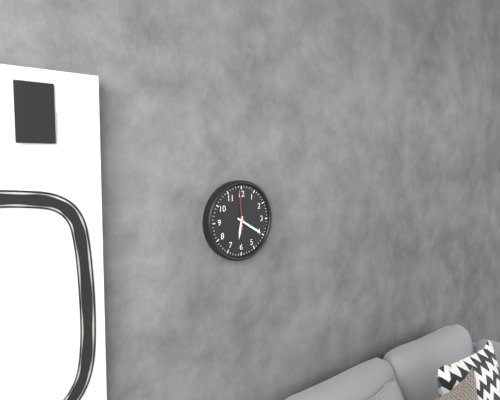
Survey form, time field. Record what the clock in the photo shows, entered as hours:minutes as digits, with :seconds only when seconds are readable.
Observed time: 6:20
